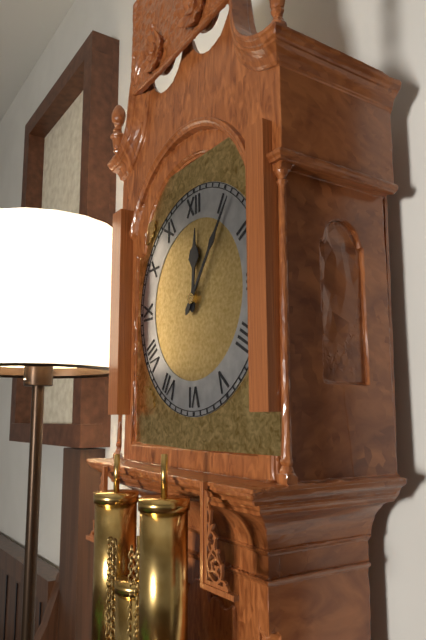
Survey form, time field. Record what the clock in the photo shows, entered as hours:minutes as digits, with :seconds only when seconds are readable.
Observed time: 12:06
